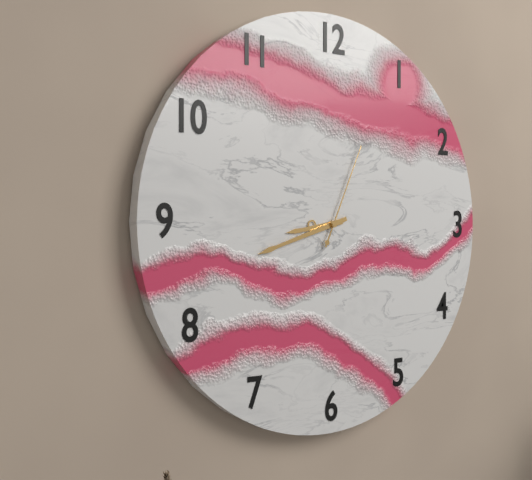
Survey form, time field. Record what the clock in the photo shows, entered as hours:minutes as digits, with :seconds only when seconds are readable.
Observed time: 8:42:04
